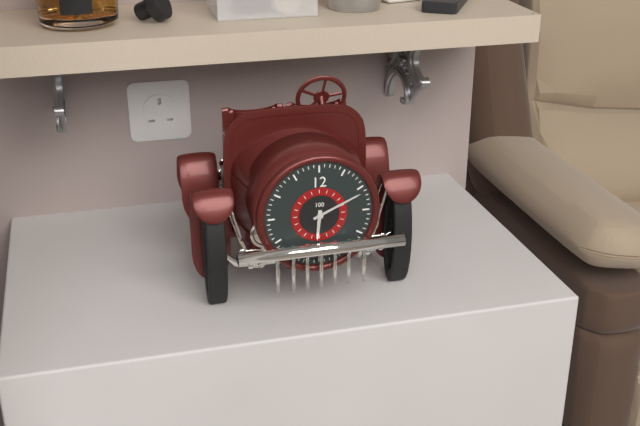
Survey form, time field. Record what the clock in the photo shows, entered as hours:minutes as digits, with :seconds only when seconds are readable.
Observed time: 6:11
